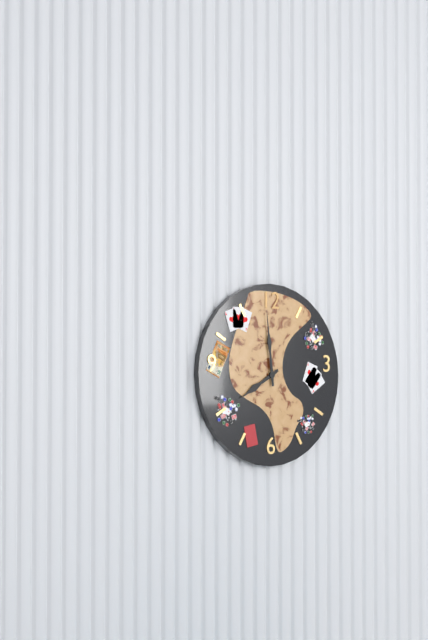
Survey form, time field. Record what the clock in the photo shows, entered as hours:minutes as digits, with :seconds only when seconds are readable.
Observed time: 7:59
